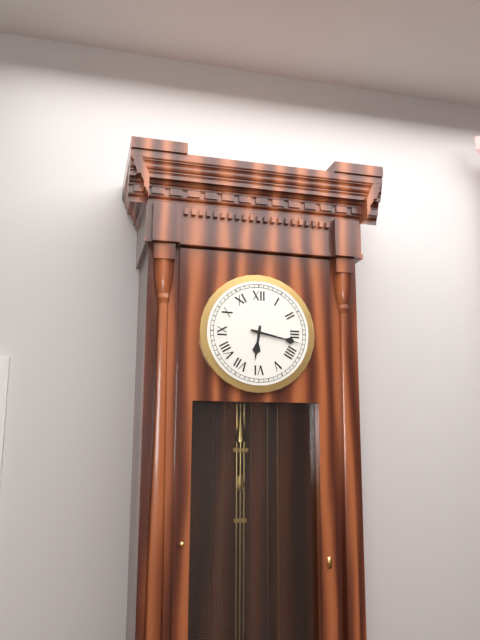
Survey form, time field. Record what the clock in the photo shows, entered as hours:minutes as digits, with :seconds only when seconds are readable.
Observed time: 6:17
